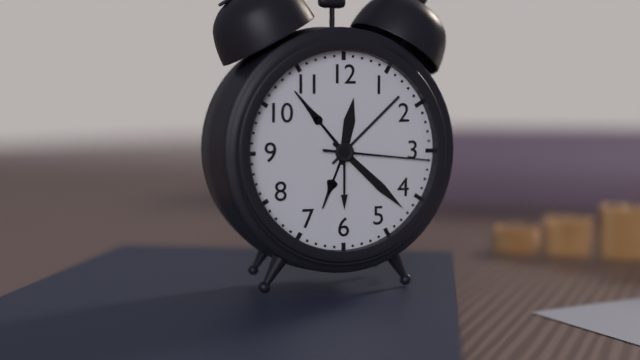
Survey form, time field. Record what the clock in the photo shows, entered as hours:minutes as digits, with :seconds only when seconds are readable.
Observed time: 12:22:16
